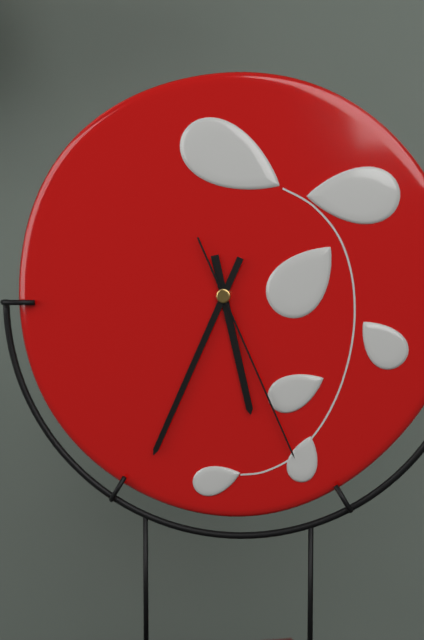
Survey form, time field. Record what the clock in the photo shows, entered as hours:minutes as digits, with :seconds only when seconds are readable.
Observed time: 5:34:26
